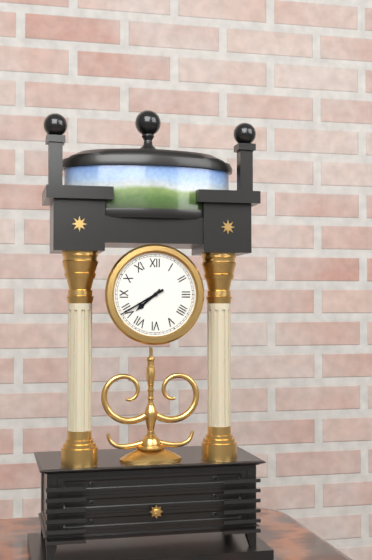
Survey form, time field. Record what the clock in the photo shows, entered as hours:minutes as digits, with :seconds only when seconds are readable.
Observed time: 7:40
